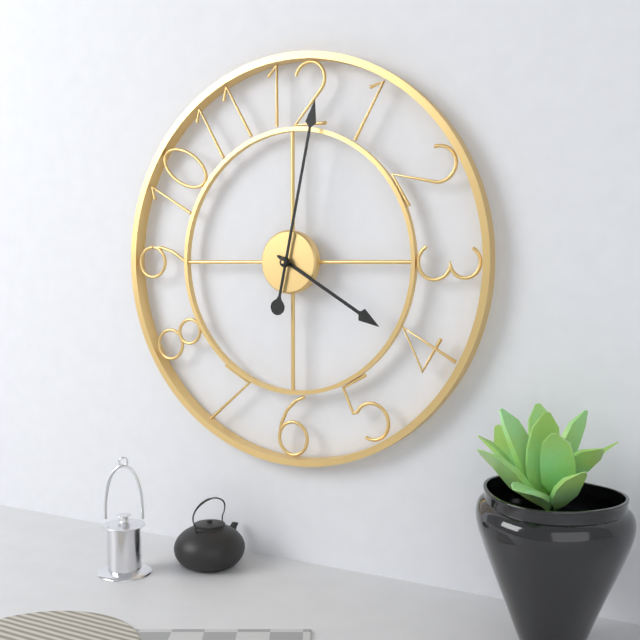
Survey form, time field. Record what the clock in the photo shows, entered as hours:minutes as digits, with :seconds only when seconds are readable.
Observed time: 4:02
